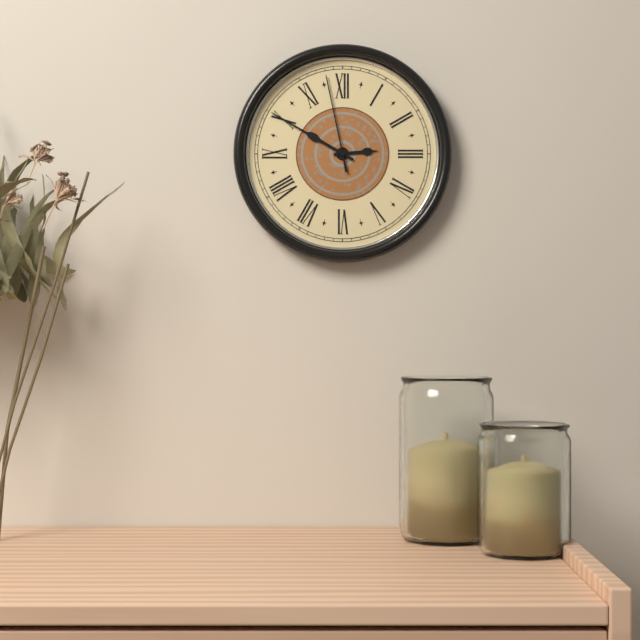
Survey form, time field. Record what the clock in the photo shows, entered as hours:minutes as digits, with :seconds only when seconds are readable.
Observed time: 2:50:58
